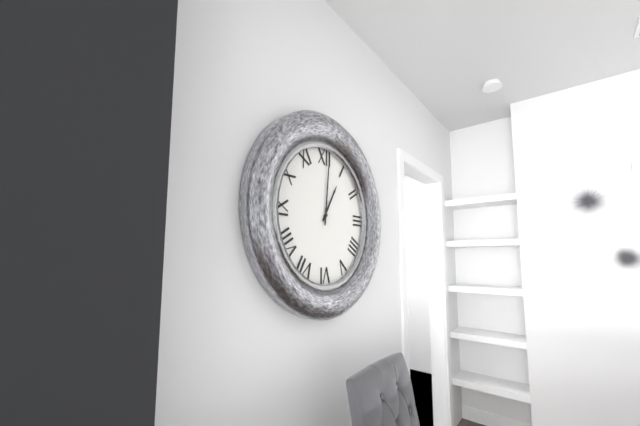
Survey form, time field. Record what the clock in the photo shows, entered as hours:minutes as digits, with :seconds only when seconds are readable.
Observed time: 1:01
